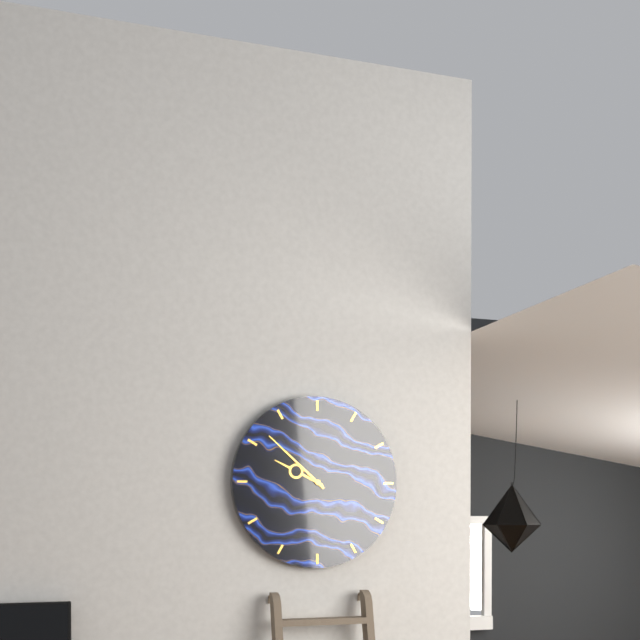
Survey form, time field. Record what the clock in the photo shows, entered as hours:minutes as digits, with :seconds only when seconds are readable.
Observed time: 9:52
